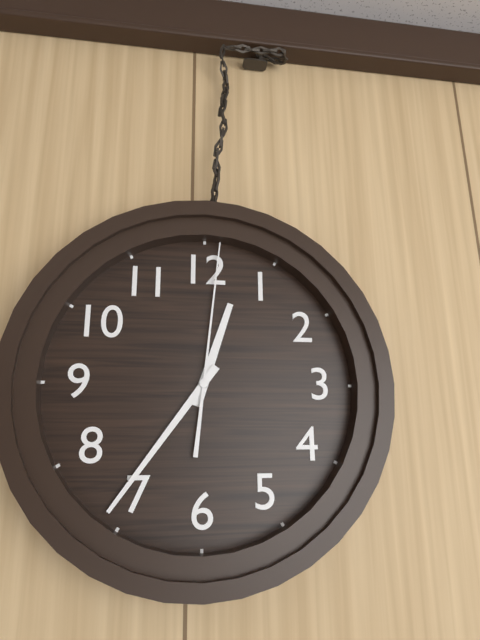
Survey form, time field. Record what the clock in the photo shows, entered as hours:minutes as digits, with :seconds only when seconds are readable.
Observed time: 12:36:01
